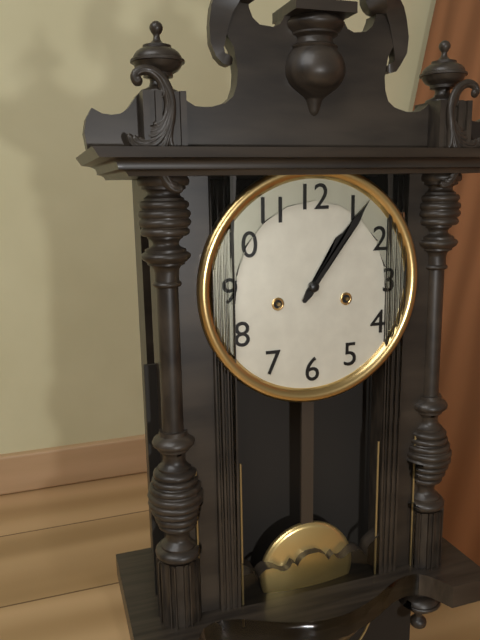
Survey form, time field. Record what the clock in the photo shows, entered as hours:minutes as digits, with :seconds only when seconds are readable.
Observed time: 1:06
